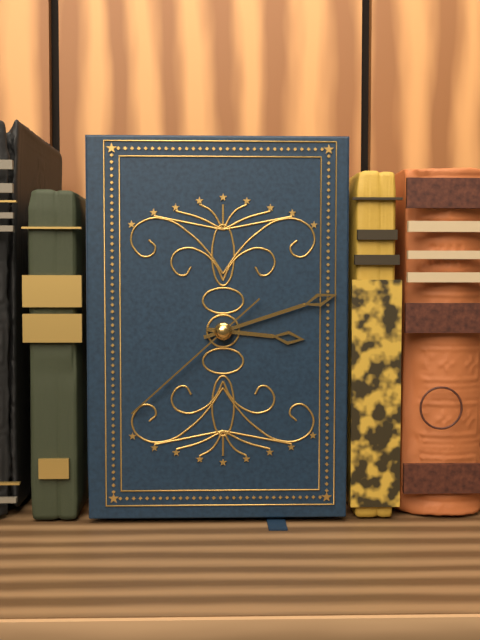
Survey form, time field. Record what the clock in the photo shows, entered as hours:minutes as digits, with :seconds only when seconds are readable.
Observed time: 3:12:38
